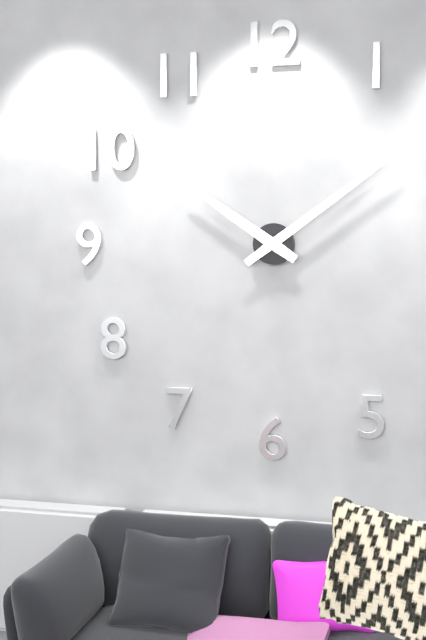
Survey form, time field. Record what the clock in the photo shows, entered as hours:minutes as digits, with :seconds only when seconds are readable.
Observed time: 10:09
